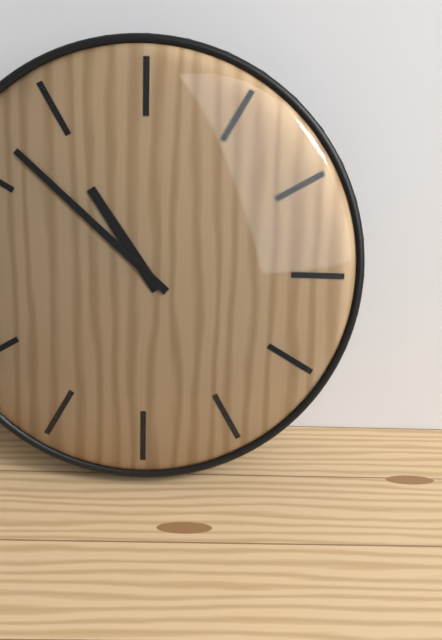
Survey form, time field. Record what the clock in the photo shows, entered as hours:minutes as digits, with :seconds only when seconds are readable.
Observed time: 10:52
